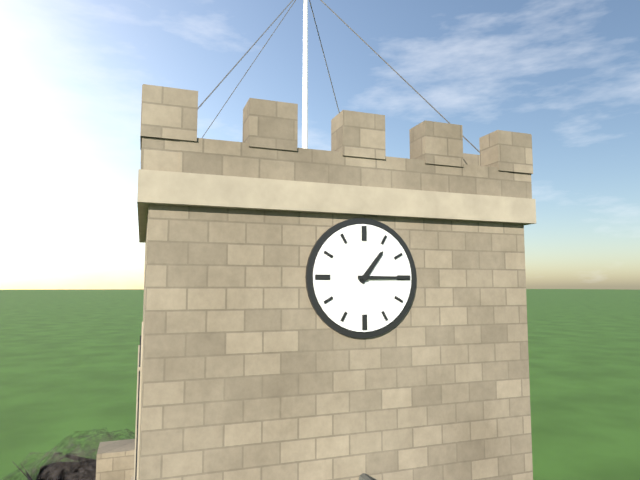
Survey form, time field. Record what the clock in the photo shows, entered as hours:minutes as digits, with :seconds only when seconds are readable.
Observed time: 1:15
